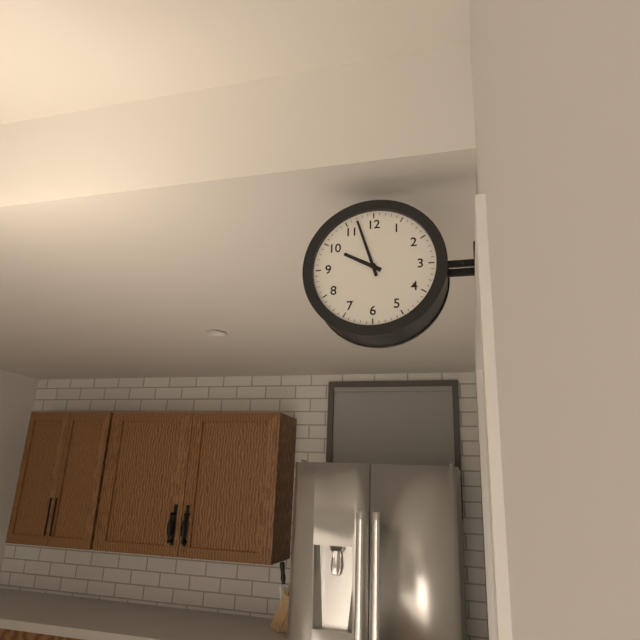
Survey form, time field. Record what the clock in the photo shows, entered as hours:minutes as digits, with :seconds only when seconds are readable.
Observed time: 9:57
